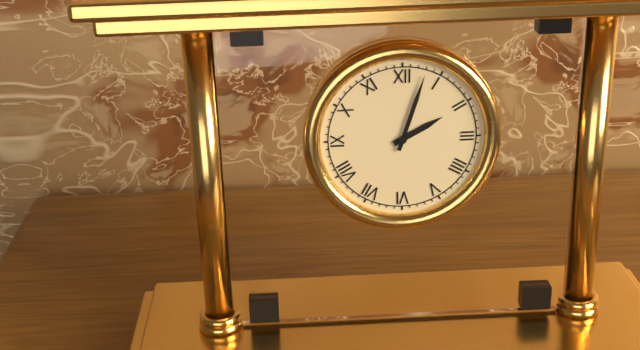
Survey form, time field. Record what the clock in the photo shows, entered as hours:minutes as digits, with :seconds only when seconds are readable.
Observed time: 2:03
